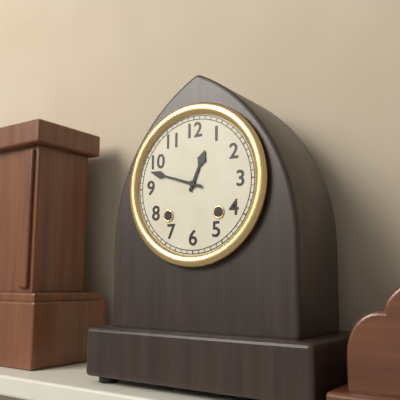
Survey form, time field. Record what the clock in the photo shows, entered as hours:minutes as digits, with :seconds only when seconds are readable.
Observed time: 12:48
